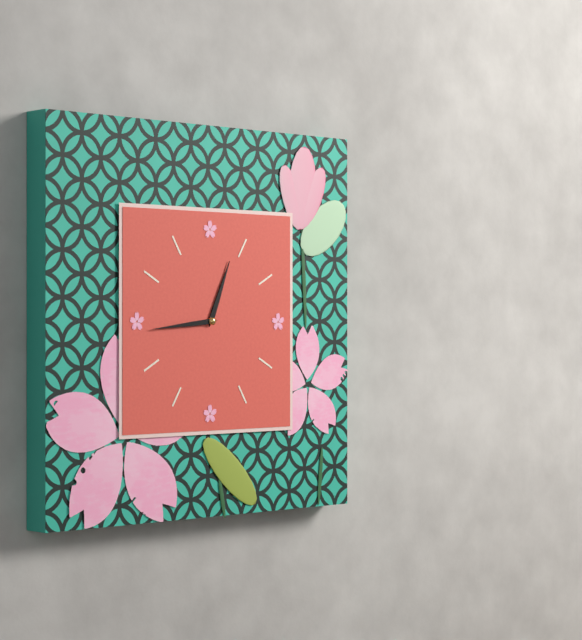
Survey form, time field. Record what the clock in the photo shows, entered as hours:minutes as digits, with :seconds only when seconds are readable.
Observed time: 12:44
